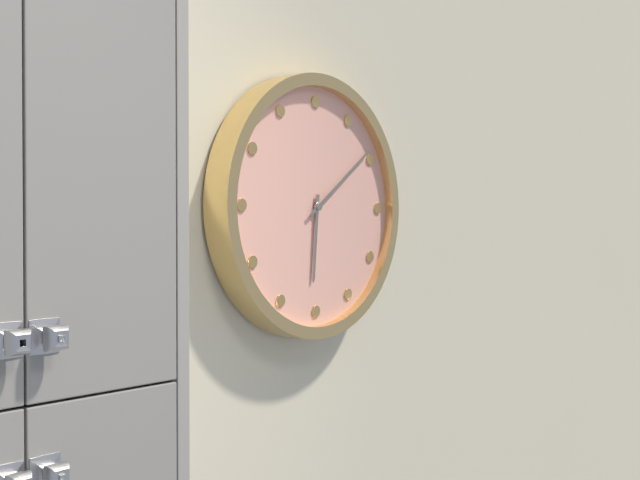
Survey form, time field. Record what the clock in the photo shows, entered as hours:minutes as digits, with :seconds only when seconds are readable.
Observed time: 6:09
